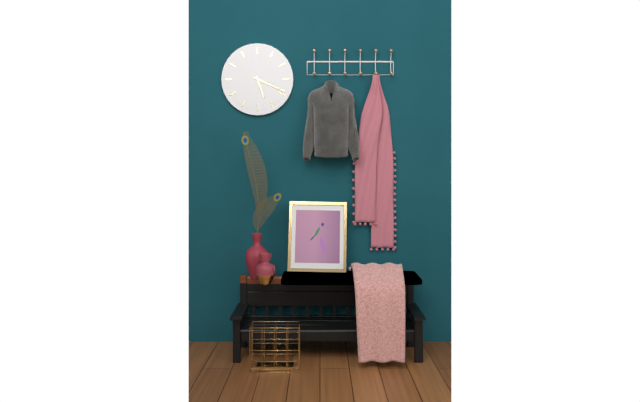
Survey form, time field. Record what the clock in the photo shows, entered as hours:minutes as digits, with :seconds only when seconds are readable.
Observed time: 5:19
